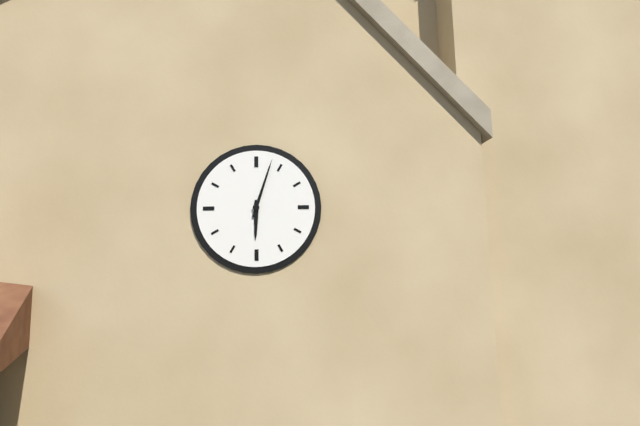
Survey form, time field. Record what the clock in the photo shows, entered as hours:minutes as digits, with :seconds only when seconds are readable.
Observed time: 6:03
